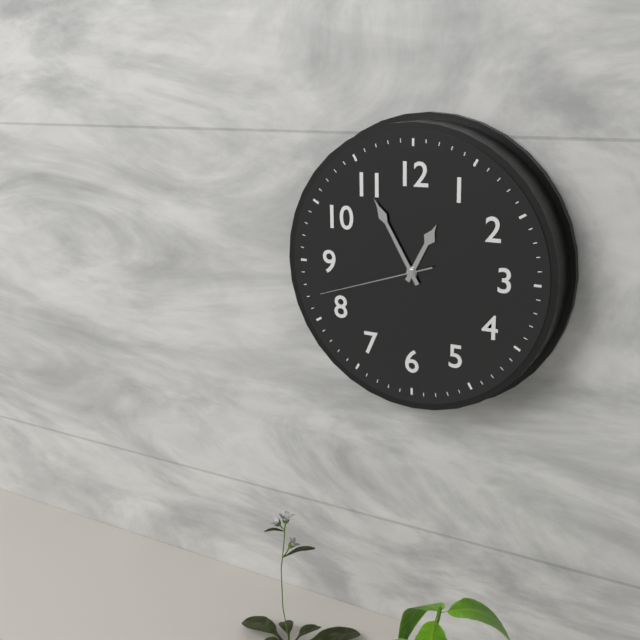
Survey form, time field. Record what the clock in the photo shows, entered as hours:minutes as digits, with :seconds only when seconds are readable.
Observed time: 12:55:42
